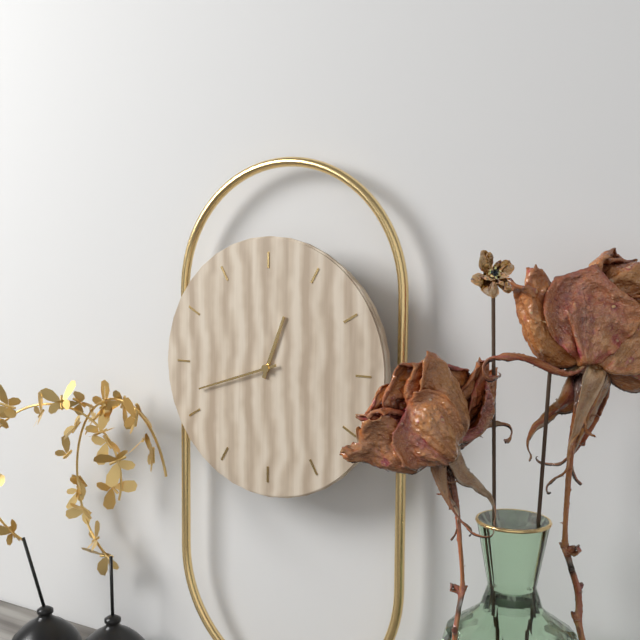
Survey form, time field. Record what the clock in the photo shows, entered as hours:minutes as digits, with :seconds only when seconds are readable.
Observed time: 12:42
